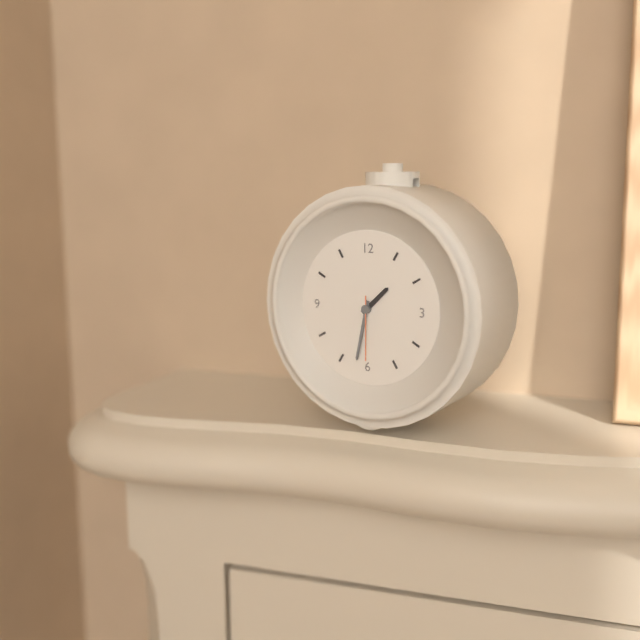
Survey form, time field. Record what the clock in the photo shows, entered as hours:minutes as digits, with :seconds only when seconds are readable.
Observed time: 1:32:30
